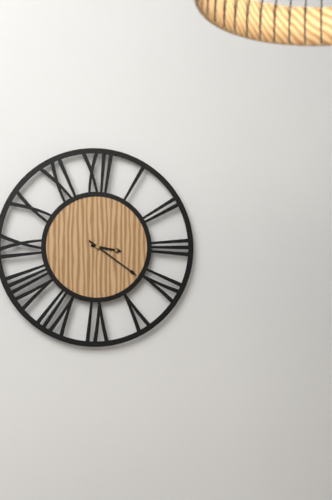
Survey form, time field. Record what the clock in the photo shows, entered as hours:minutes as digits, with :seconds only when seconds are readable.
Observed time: 3:21
